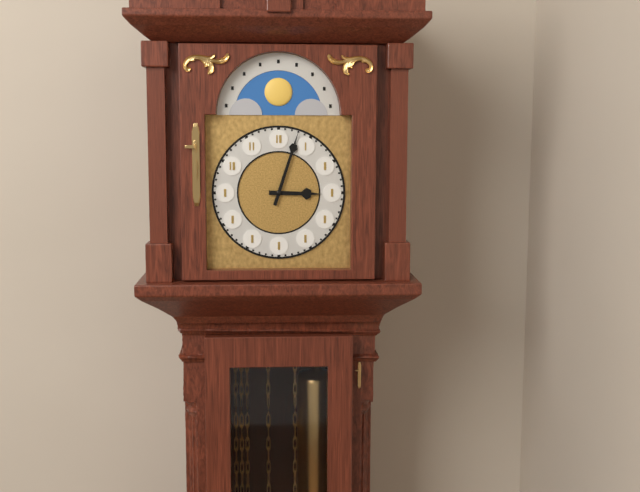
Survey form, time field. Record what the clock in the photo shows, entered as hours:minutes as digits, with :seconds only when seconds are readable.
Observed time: 3:03
